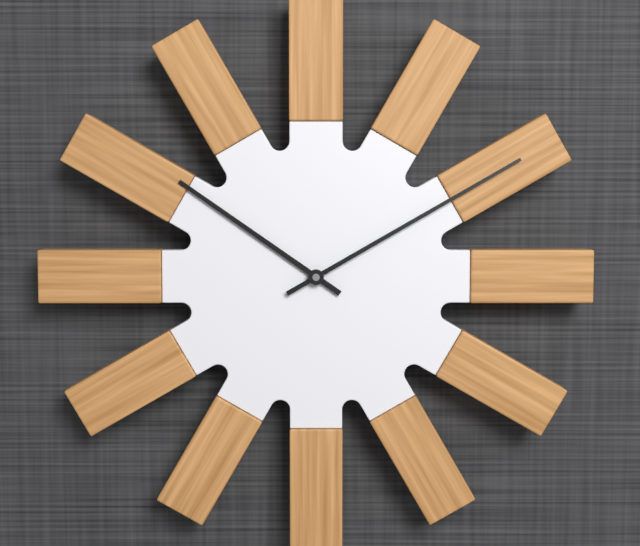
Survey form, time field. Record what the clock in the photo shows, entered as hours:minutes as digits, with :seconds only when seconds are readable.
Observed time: 10:10
